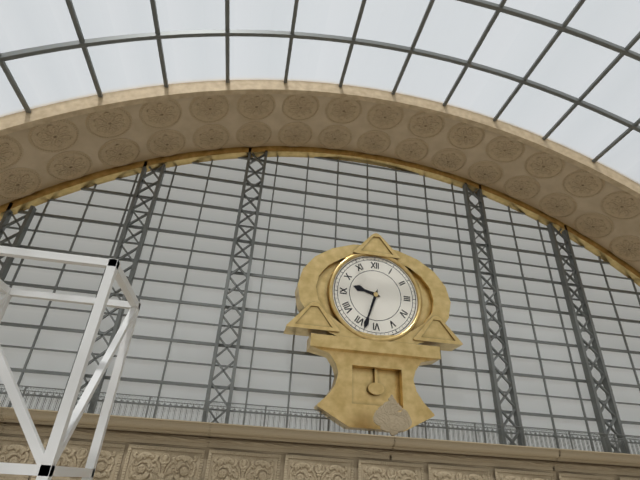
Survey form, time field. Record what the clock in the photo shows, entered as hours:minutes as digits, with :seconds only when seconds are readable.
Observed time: 9:33
